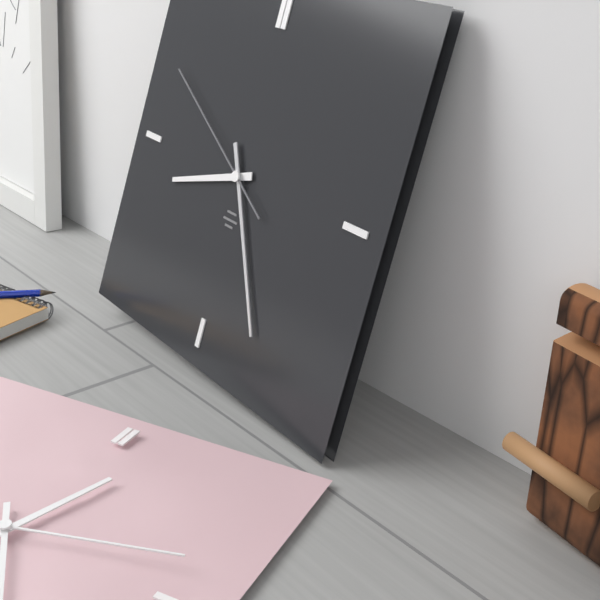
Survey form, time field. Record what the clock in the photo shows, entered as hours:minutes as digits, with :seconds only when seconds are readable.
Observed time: 8:25:50
